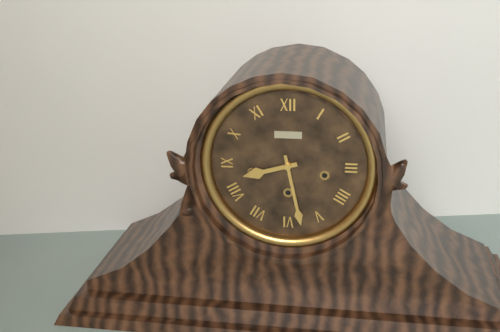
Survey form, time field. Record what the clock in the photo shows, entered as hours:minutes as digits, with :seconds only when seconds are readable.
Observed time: 8:28
